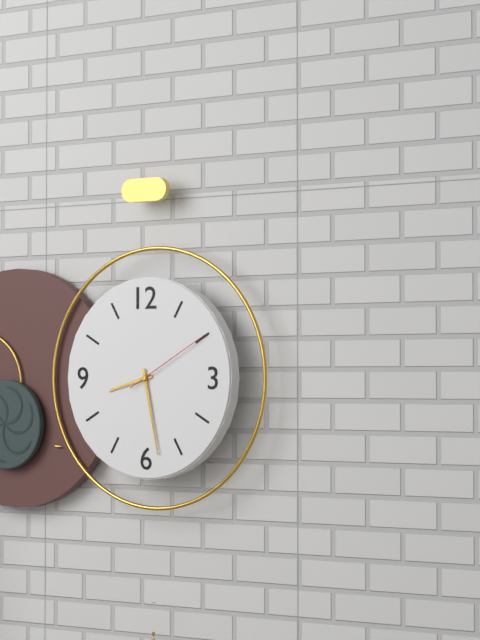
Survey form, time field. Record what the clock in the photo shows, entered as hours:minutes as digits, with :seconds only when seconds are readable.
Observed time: 8:28:10
